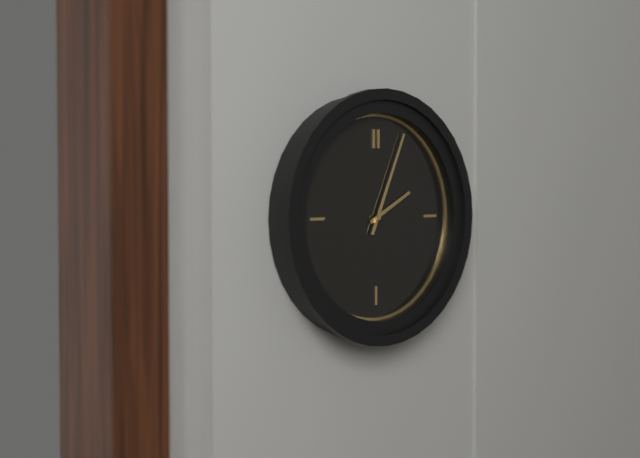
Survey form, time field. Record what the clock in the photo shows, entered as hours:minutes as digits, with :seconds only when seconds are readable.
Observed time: 2:04
